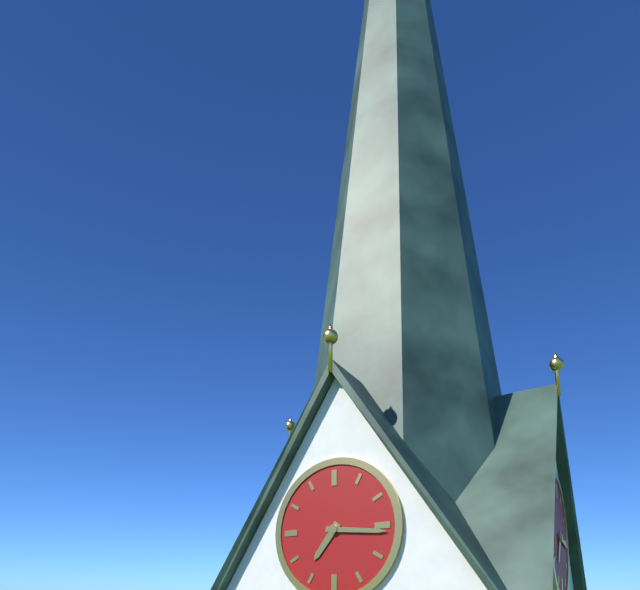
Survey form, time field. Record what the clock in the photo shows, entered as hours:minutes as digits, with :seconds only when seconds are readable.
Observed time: 7:16
